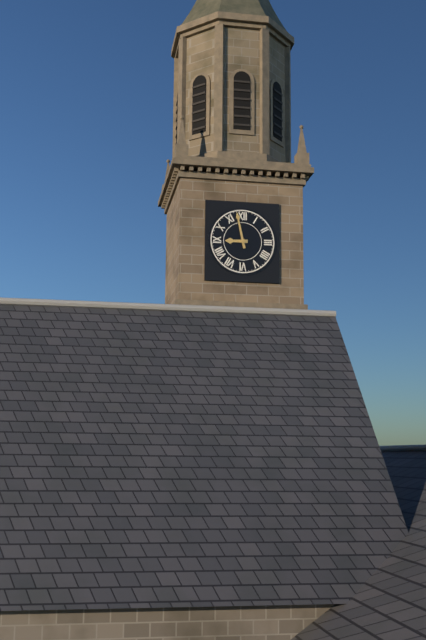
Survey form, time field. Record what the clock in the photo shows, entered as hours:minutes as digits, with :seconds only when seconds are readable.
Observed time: 8:58
